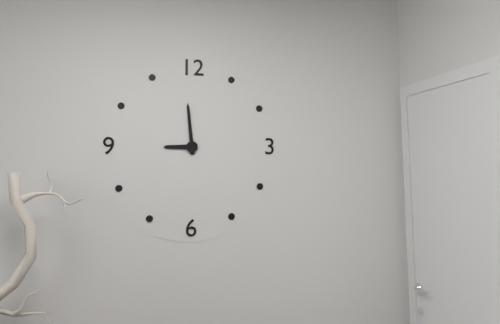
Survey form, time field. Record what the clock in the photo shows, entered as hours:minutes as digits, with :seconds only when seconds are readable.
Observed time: 8:59
